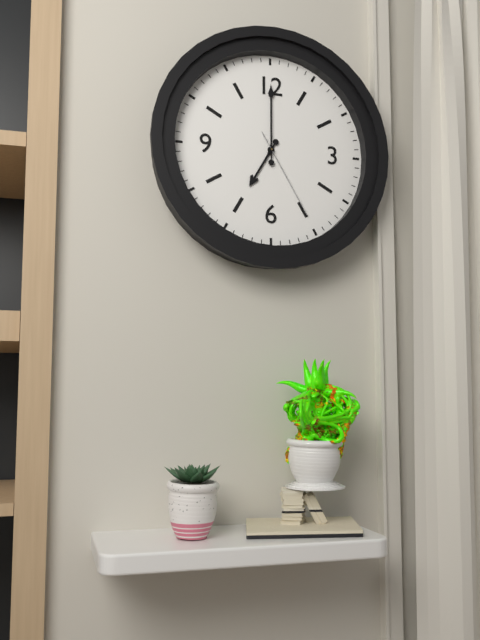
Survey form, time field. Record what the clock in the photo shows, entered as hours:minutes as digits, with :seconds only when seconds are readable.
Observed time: 7:00:25
